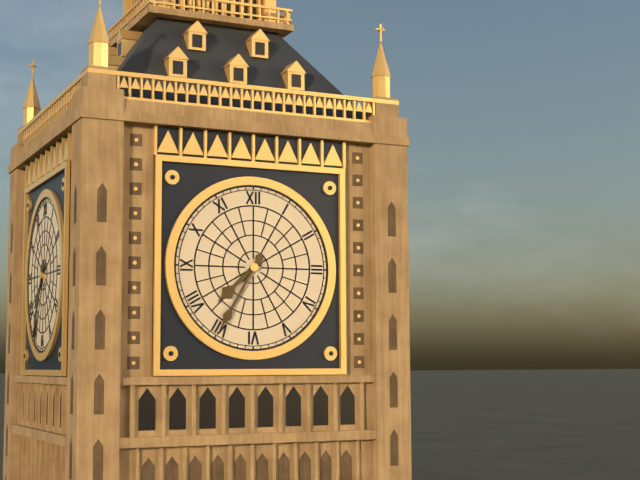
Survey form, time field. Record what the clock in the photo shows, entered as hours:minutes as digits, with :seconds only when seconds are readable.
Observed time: 7:35
